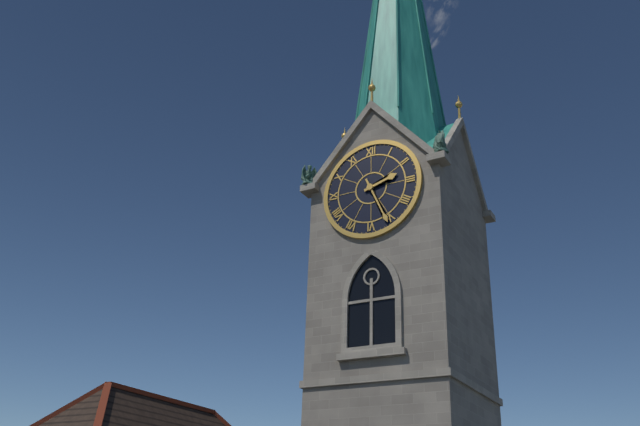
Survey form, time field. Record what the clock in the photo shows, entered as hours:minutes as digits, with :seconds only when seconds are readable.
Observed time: 2:26
